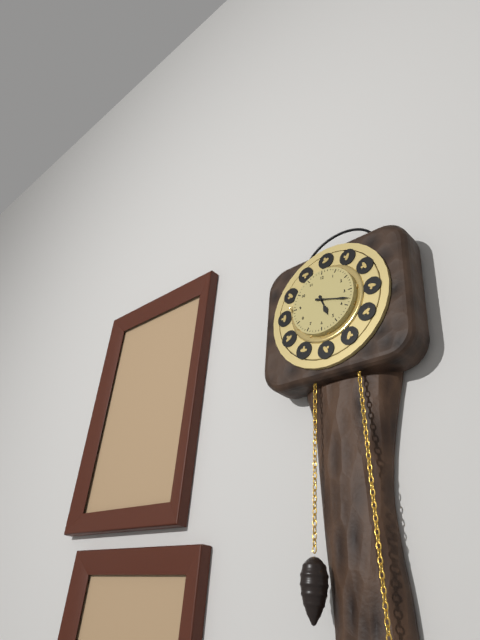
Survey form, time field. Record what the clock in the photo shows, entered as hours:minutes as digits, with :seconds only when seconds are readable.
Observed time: 5:18
